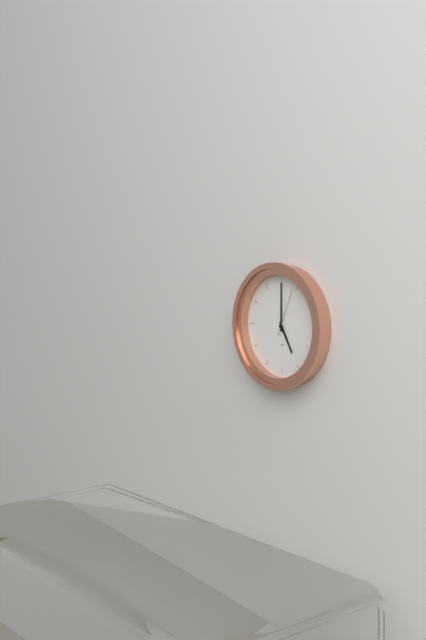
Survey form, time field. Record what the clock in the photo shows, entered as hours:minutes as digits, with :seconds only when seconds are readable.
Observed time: 5:00
